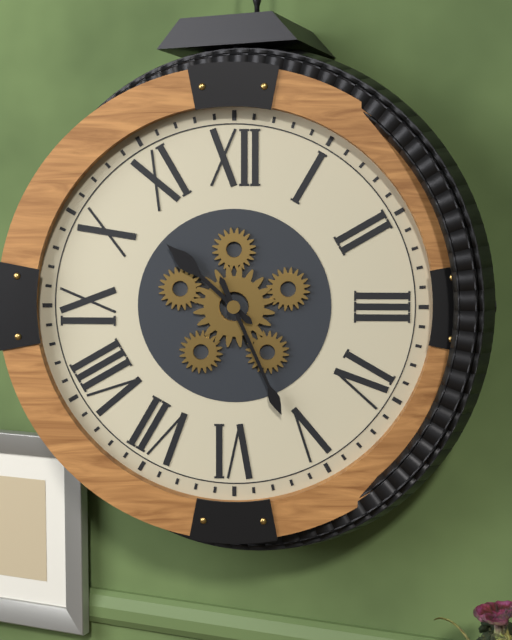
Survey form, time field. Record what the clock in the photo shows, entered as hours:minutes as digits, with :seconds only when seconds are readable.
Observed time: 10:26
